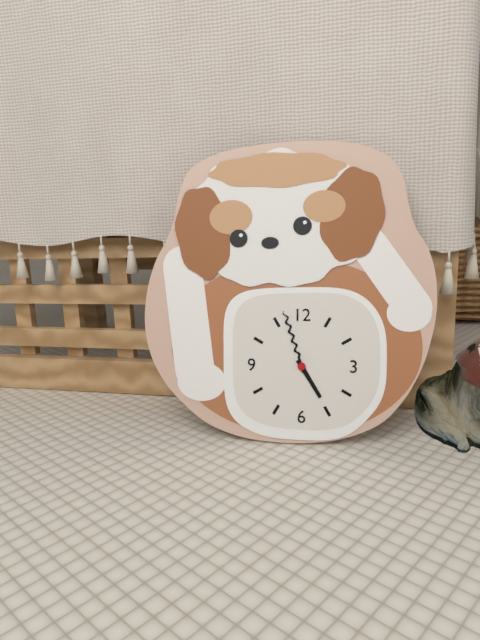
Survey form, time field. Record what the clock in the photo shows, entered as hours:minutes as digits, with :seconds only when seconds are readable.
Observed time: 4:57
